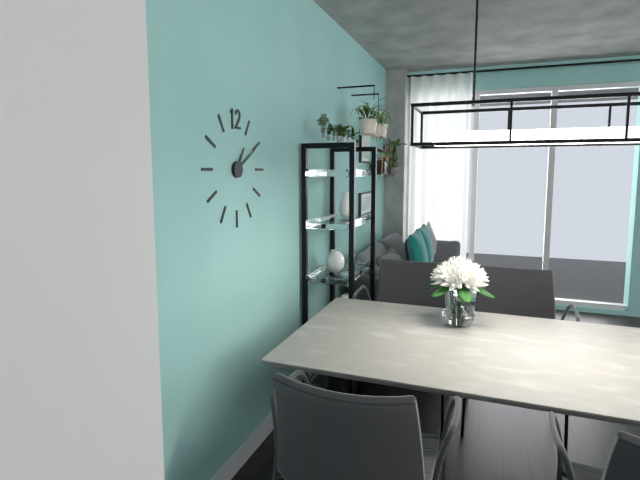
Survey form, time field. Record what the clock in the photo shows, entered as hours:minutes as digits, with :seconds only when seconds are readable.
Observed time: 1:10
